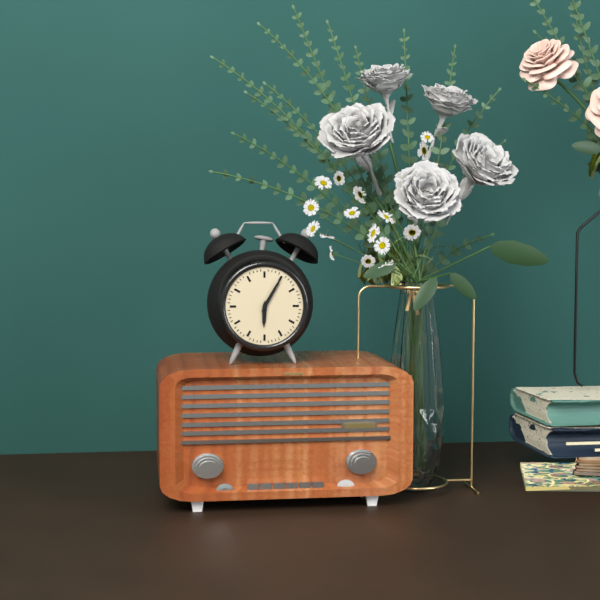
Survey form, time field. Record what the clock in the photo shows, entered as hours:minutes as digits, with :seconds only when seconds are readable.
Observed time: 6:05
